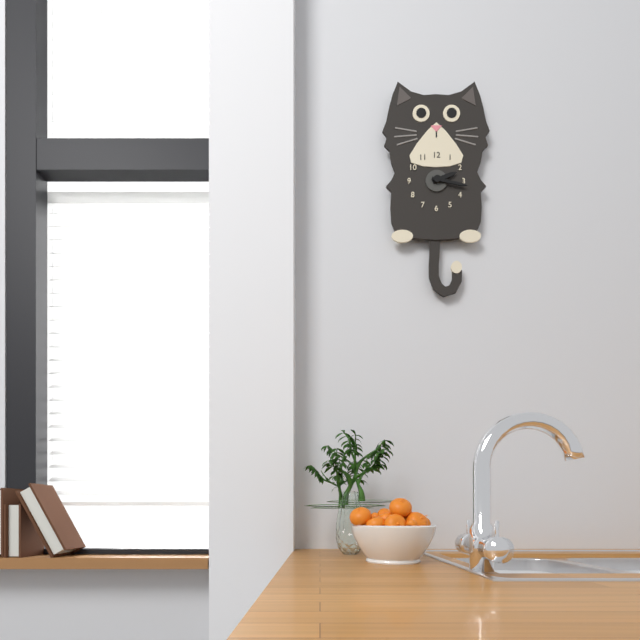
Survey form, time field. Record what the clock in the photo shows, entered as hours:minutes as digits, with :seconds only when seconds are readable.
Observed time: 2:17
